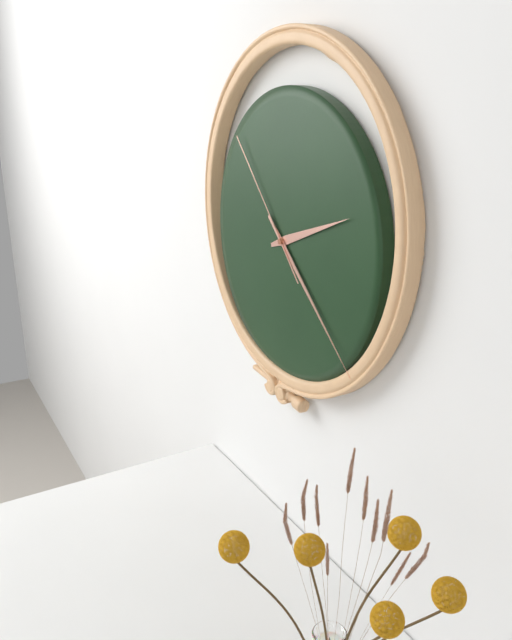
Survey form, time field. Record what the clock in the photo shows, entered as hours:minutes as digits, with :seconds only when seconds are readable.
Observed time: 2:22:53
